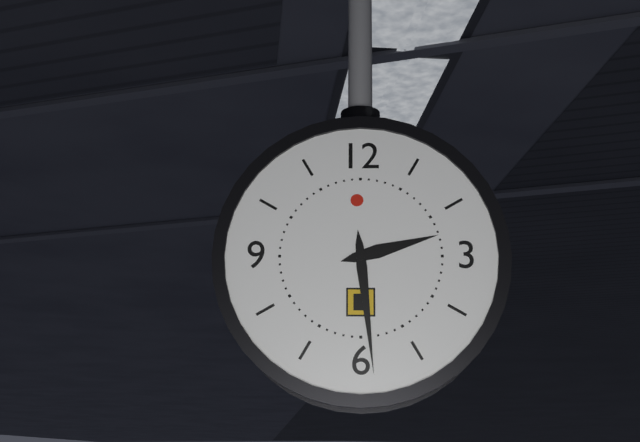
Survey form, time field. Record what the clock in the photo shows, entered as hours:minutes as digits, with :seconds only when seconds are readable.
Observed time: 2:29
